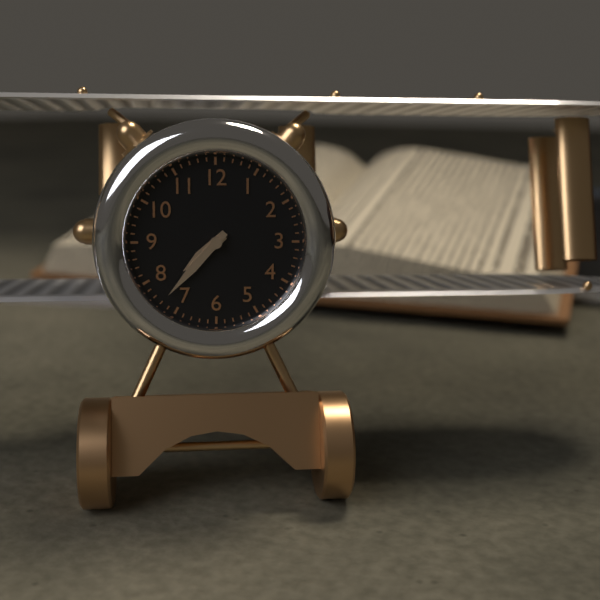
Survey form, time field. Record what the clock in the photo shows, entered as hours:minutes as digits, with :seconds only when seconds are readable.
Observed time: 7:37
